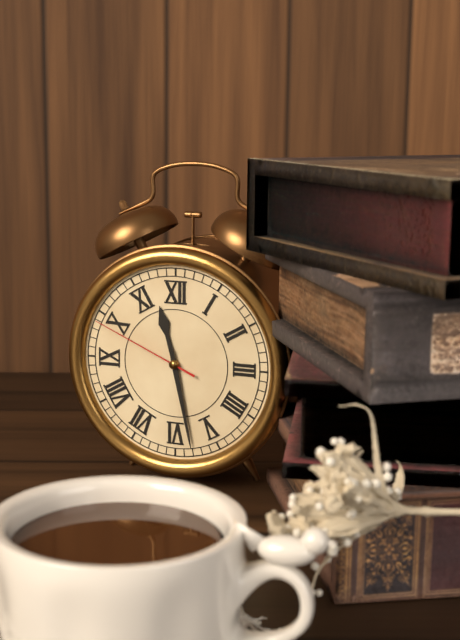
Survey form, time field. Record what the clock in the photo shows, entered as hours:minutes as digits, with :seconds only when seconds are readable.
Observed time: 11:28:49
